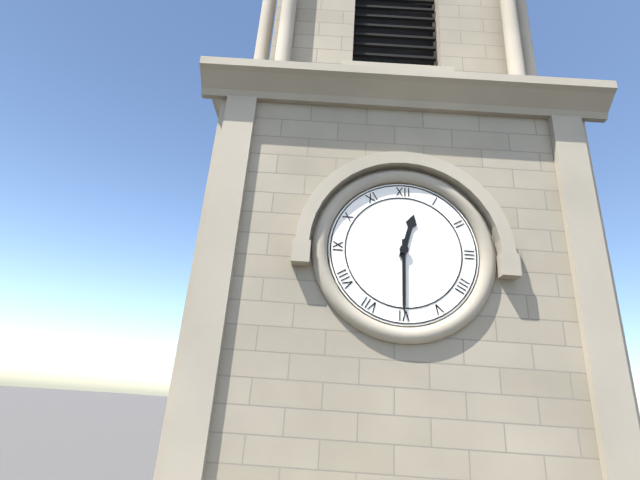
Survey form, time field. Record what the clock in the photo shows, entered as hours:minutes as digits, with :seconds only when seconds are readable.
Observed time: 12:30
